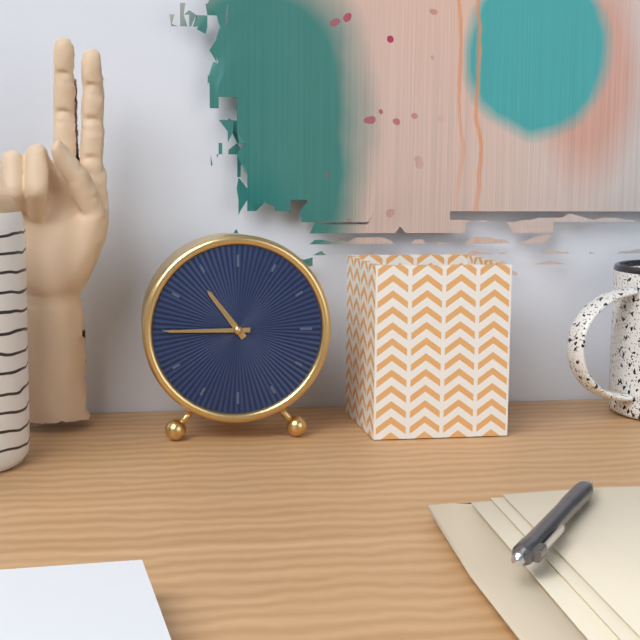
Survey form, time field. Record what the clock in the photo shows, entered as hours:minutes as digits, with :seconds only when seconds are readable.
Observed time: 10:45
